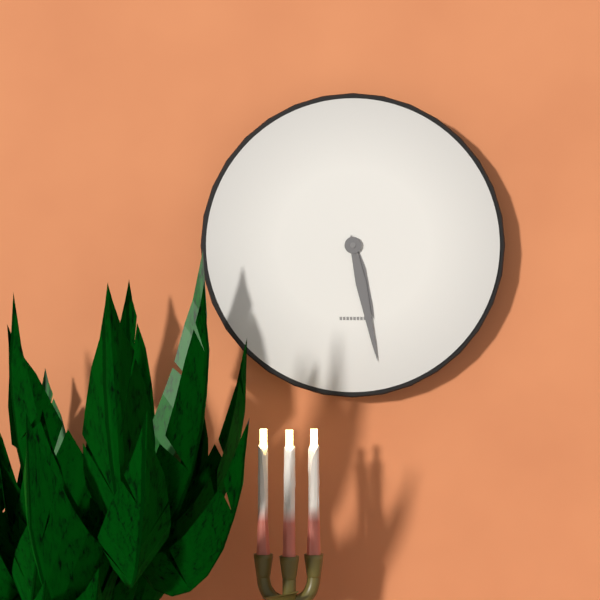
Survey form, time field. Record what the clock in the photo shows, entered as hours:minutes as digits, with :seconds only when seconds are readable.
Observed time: 5:28
